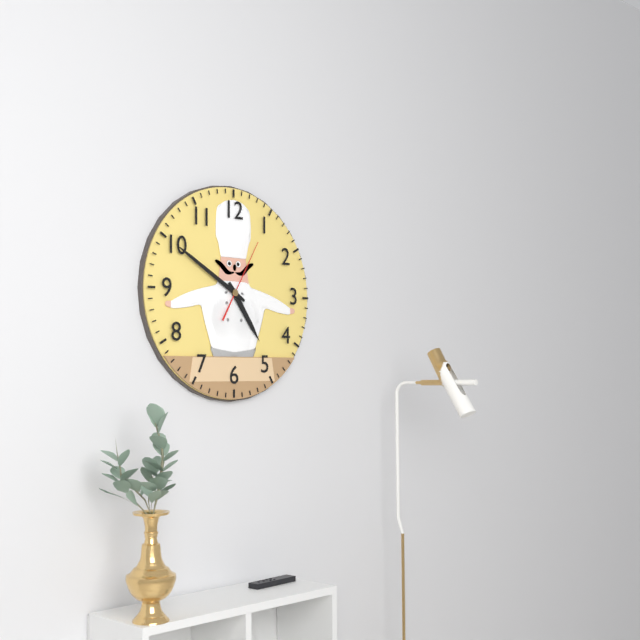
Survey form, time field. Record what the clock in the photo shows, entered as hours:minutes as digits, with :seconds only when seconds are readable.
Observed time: 4:50:05
